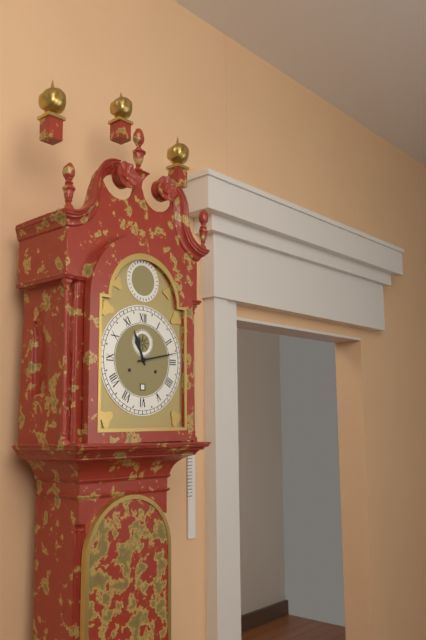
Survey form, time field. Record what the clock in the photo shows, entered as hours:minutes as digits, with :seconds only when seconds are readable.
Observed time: 11:13
